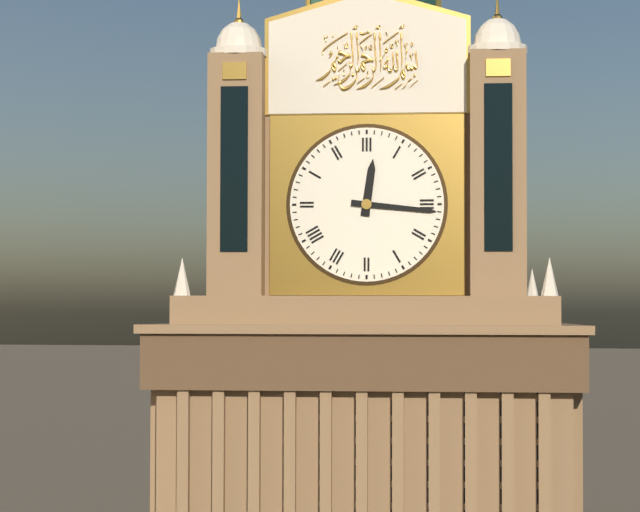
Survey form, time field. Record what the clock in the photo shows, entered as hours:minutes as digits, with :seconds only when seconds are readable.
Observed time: 12:16
